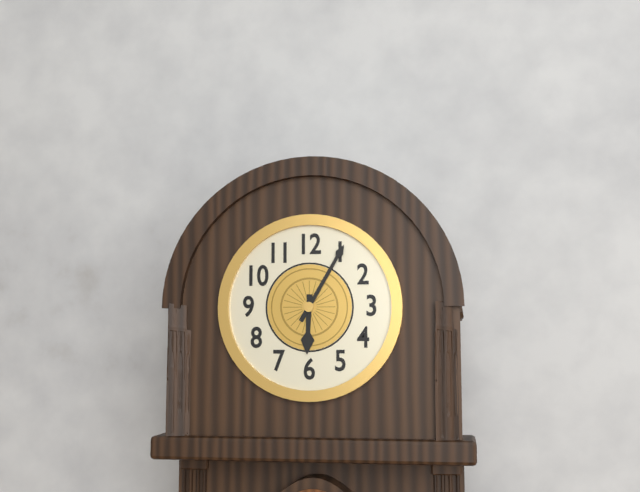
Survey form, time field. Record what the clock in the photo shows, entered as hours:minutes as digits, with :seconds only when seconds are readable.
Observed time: 6:05
